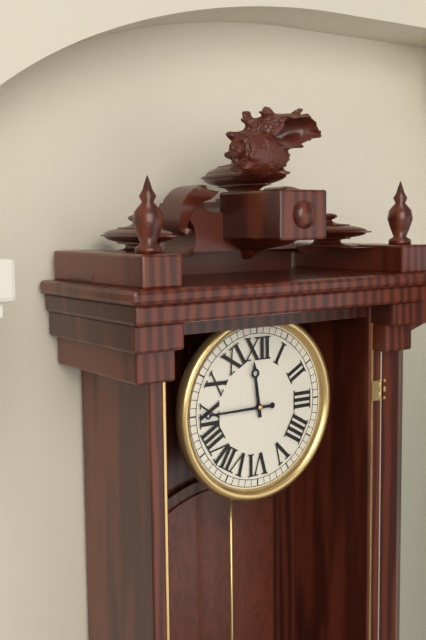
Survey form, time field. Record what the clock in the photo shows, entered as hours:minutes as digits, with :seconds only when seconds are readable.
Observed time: 11:45
